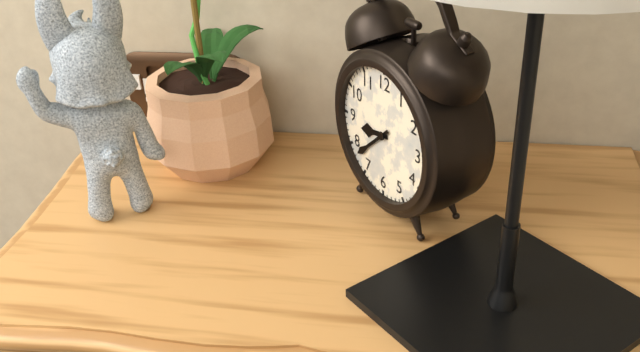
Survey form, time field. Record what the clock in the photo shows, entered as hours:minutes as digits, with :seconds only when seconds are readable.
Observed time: 8:38
